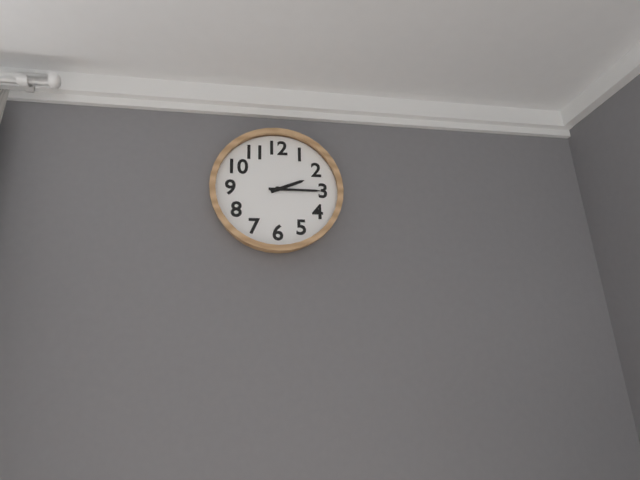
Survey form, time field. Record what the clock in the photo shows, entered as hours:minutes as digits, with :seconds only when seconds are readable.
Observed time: 2:15
